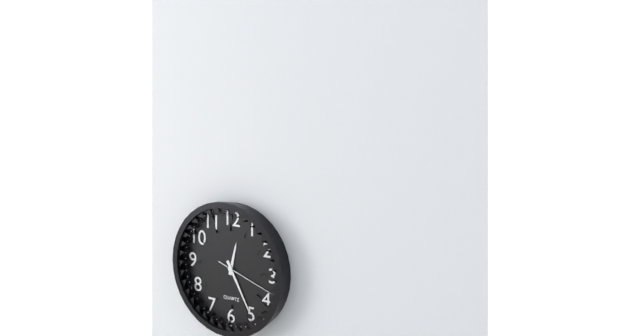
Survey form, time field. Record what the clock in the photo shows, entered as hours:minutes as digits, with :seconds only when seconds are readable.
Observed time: 12:25:18
